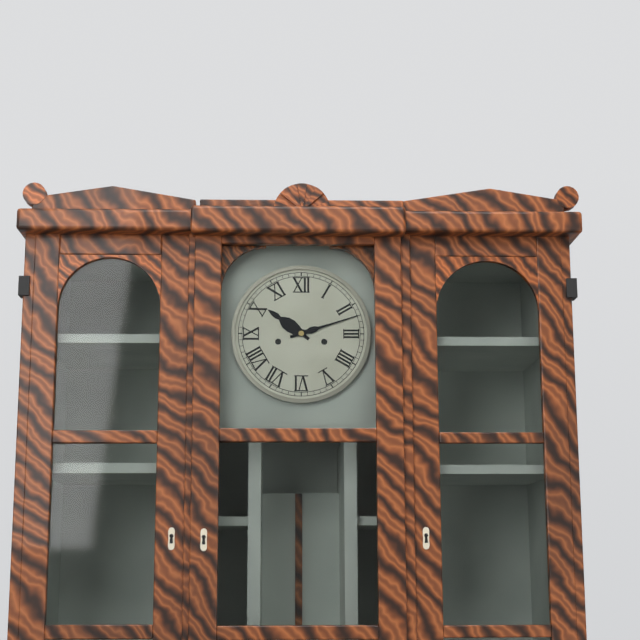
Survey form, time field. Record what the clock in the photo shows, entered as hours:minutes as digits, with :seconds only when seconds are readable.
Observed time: 10:12
